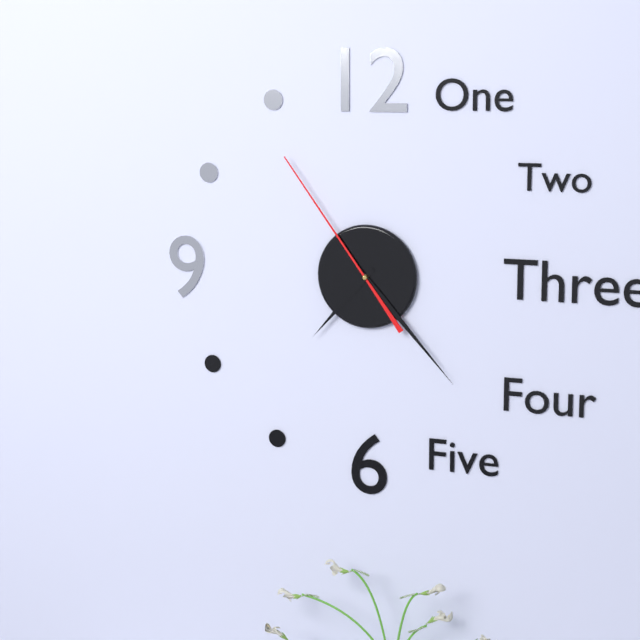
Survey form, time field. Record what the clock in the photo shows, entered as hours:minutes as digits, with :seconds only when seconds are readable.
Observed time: 7:23:54
